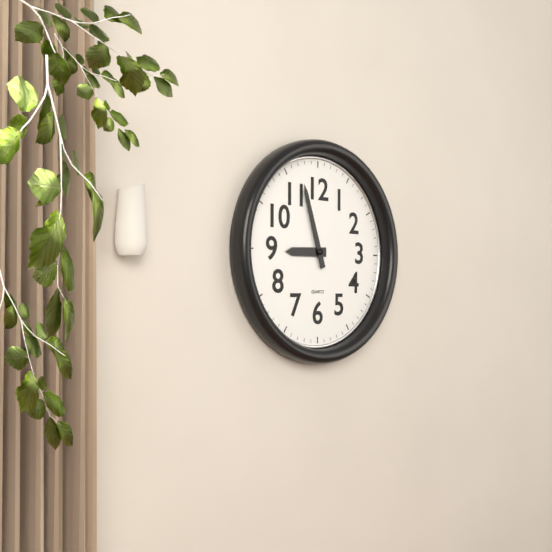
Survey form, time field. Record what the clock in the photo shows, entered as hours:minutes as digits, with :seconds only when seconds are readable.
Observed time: 8:57
